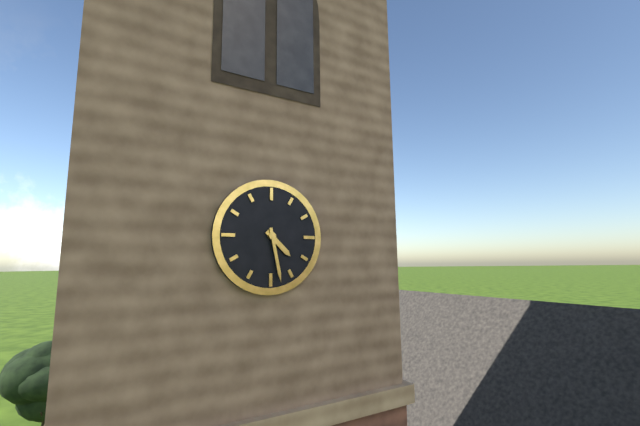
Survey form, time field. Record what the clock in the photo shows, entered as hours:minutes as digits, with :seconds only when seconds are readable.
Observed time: 4:28
